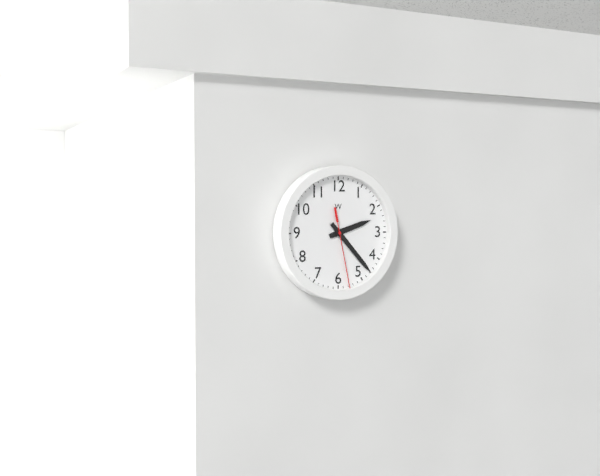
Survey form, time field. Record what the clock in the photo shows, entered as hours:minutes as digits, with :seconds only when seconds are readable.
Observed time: 2:23:28
